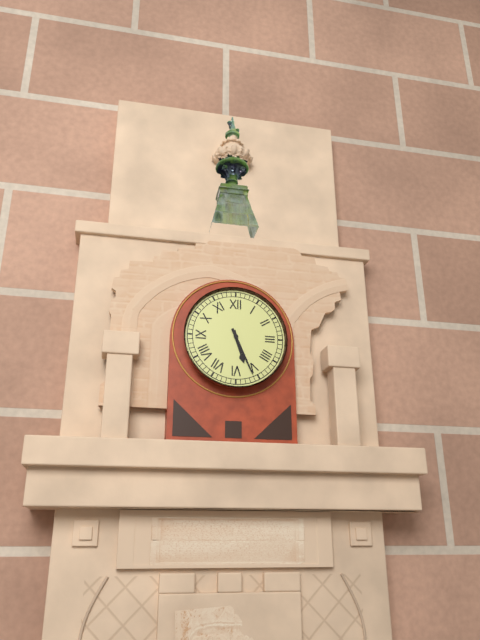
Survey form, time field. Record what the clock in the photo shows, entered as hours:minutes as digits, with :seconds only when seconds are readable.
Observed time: 5:26
